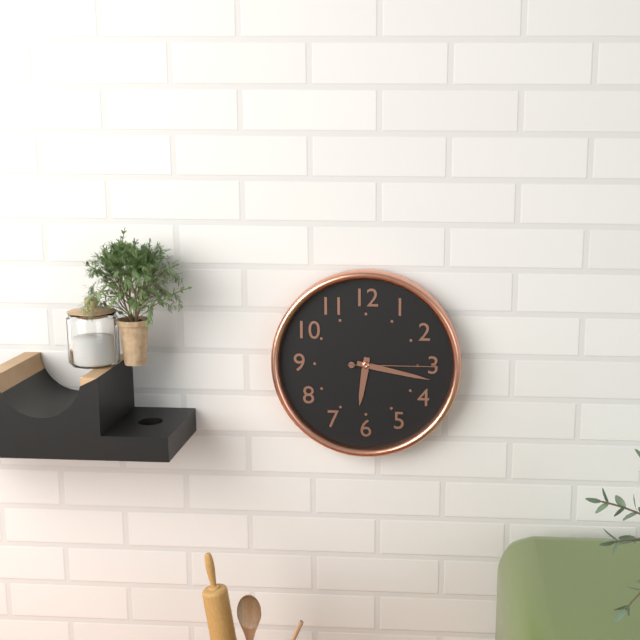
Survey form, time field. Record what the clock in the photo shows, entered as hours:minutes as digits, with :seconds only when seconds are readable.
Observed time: 6:17:15
